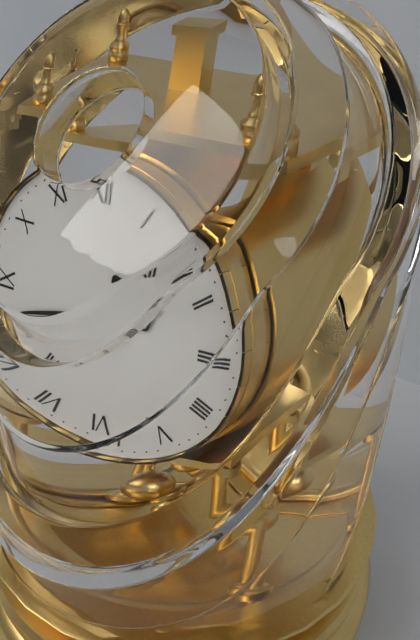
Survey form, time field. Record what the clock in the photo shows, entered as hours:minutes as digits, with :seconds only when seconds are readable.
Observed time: 1:42
